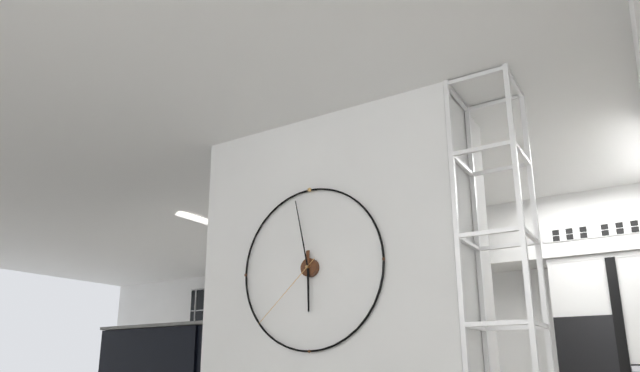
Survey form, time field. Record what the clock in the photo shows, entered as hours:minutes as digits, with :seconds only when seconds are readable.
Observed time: 5:58:38
